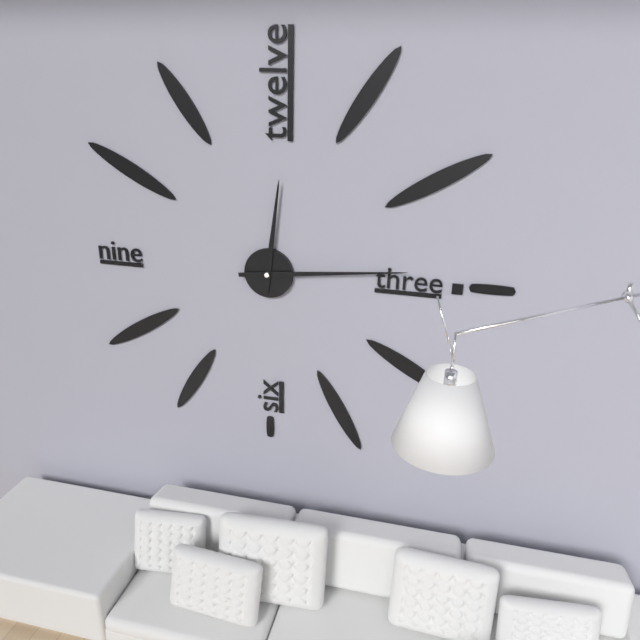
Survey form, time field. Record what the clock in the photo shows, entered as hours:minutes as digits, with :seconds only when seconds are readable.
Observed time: 12:14
